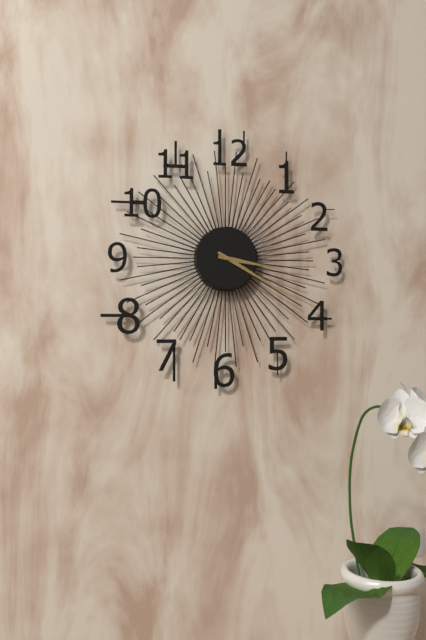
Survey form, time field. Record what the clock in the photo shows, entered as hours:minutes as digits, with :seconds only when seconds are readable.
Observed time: 3:20
